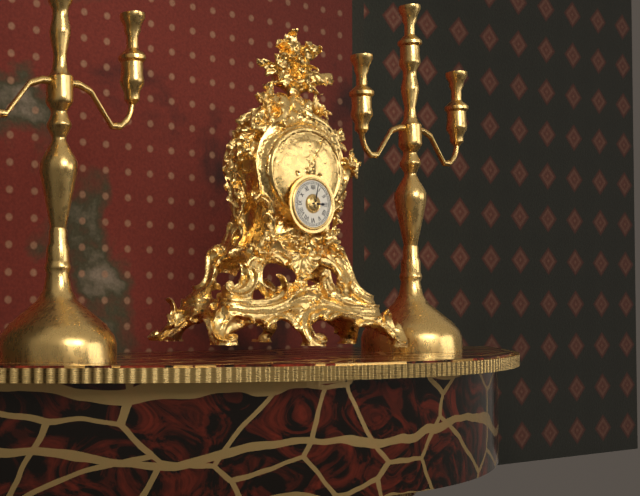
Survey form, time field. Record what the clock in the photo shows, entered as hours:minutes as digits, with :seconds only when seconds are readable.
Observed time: 3:02
